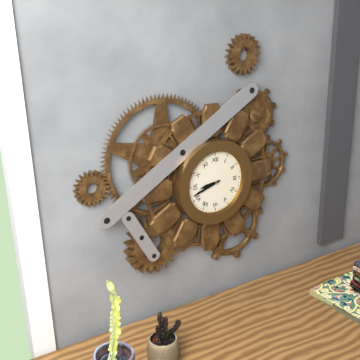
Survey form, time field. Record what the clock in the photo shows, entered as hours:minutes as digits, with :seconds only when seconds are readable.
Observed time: 8:42
